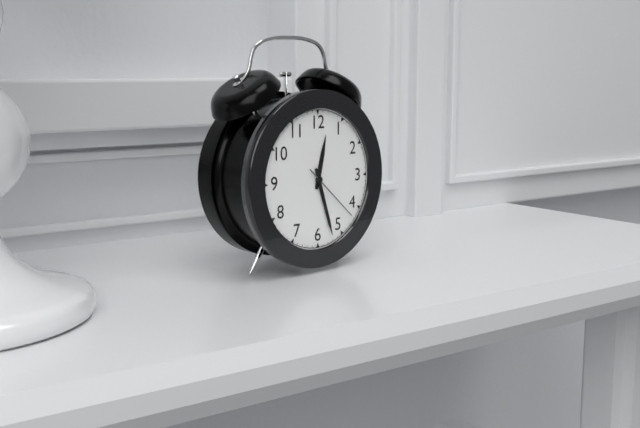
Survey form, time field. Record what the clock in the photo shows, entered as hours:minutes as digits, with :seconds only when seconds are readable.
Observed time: 12:27:22
